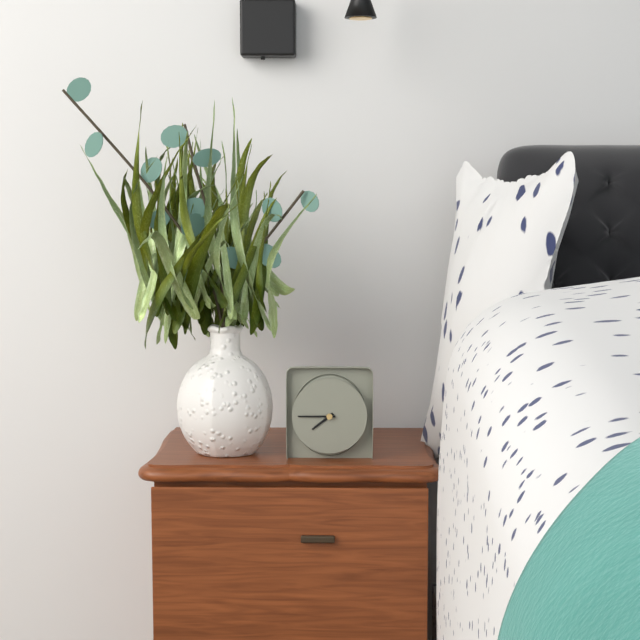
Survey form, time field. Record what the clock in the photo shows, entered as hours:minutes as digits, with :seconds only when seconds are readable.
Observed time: 7:45
